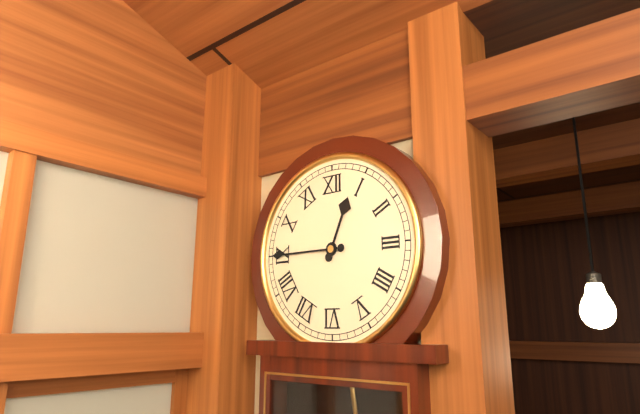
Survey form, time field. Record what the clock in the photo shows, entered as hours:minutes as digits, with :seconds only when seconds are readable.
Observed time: 12:45
